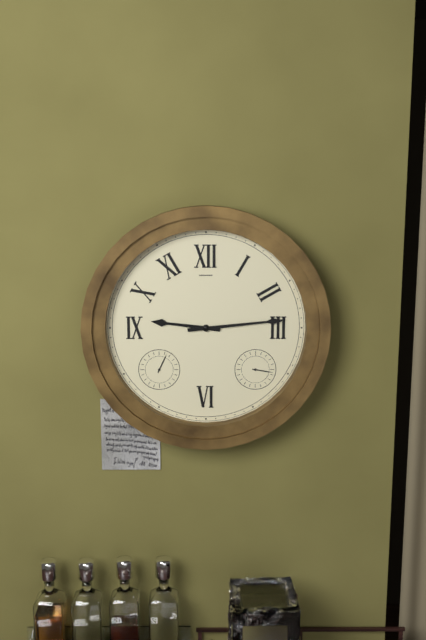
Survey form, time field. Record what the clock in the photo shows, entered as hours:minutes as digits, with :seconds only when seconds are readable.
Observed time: 9:14
